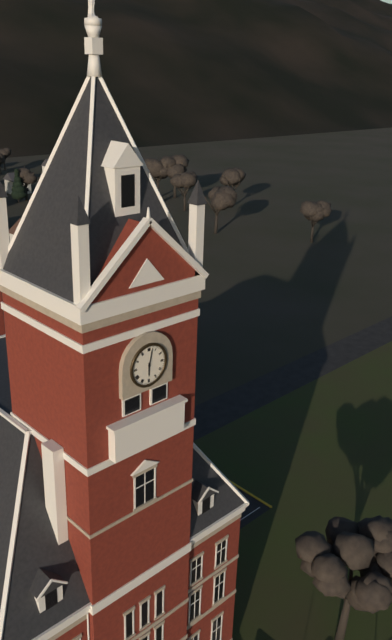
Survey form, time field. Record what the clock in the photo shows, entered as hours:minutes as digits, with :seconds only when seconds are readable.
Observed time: 6:02
